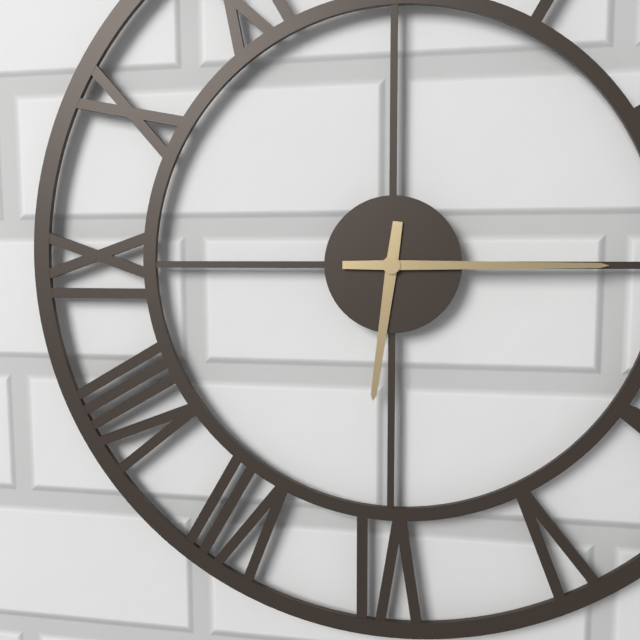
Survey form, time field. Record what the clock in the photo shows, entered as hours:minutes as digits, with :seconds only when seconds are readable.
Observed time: 6:15
